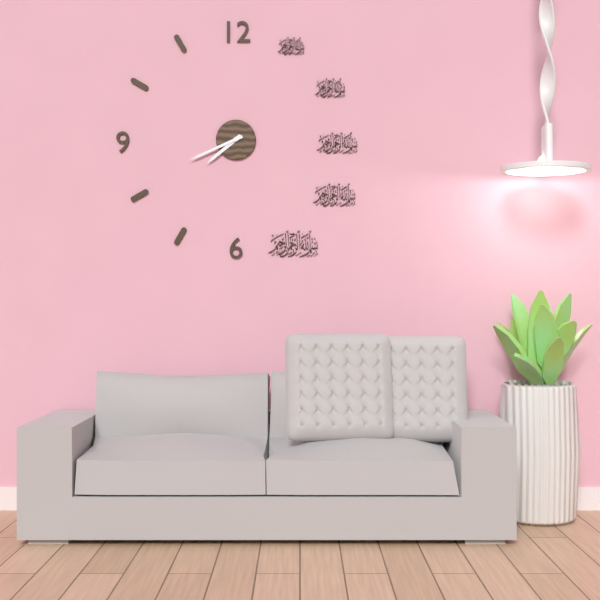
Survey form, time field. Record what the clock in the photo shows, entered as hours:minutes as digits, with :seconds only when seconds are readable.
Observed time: 7:41
